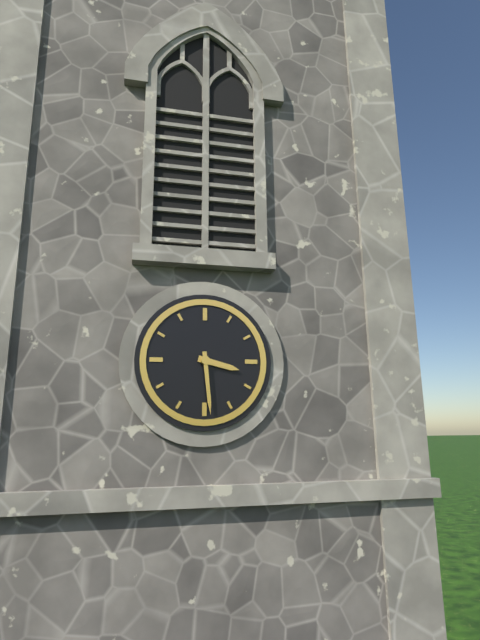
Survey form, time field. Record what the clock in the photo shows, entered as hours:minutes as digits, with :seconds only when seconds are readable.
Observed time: 3:29
